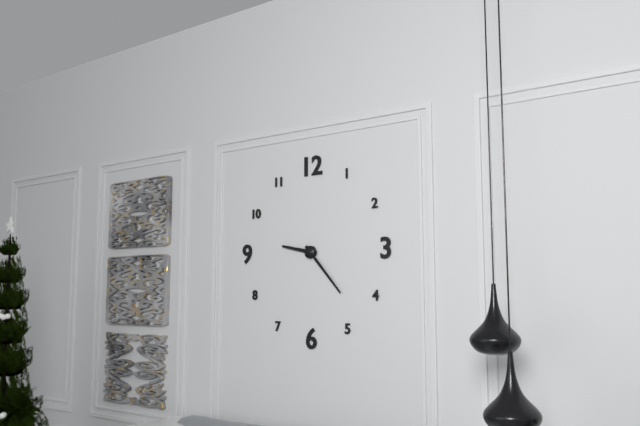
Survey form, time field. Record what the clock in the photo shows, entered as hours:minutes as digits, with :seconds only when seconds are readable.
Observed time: 9:23
